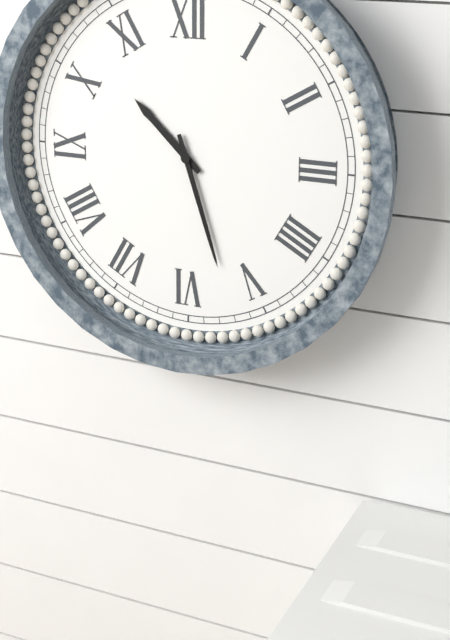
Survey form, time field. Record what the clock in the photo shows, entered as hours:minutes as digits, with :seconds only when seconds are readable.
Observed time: 10:27
